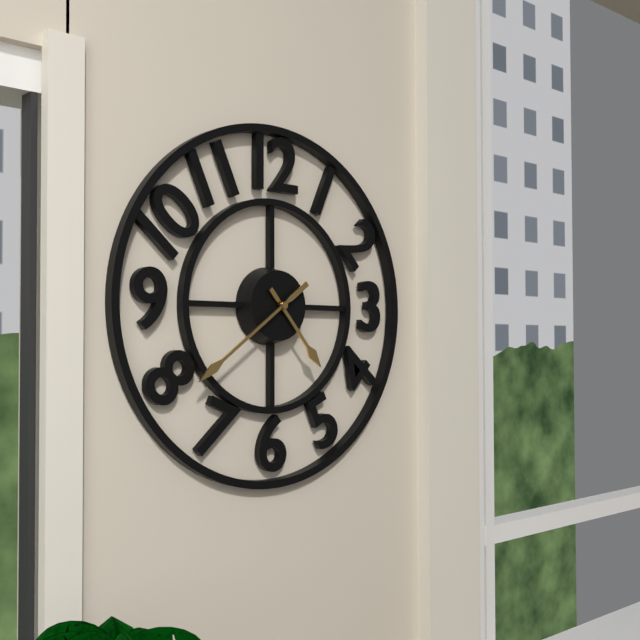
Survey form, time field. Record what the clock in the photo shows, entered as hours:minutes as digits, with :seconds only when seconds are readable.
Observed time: 4:39
